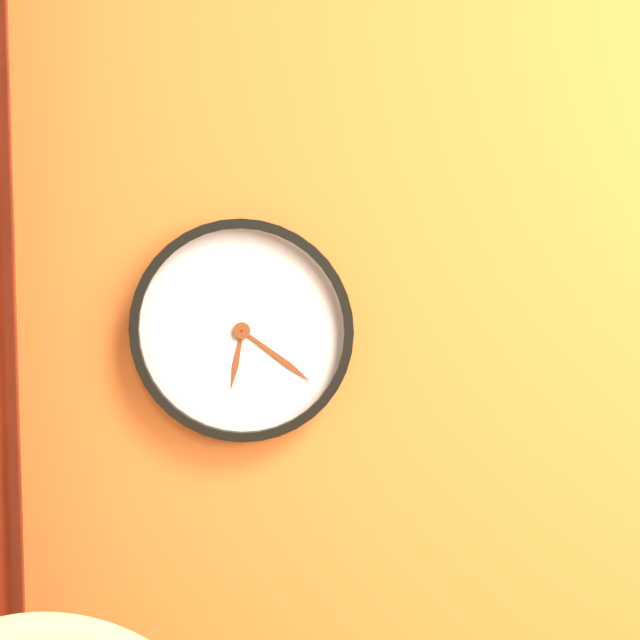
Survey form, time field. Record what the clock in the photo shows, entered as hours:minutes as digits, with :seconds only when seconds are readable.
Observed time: 6:21
